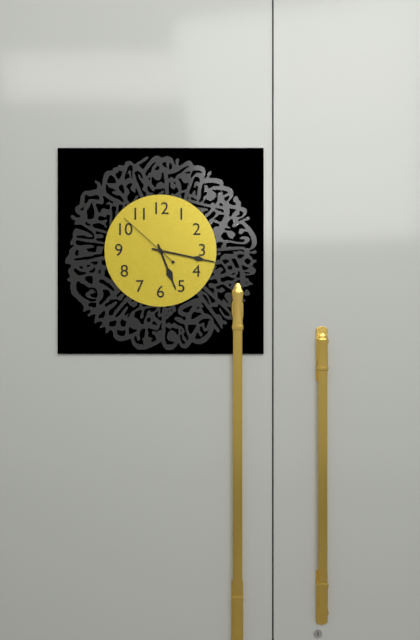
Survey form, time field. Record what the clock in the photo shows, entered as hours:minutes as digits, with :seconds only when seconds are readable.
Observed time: 5:17:52
